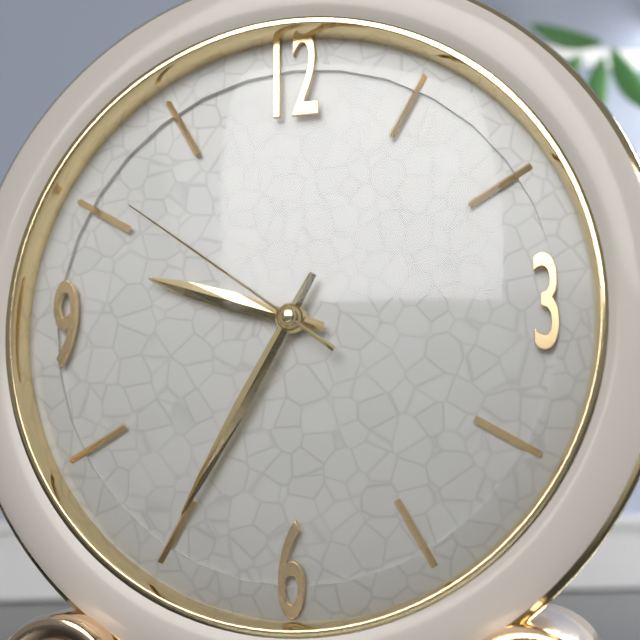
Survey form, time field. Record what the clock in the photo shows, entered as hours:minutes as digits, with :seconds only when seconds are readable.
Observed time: 9:35:51
